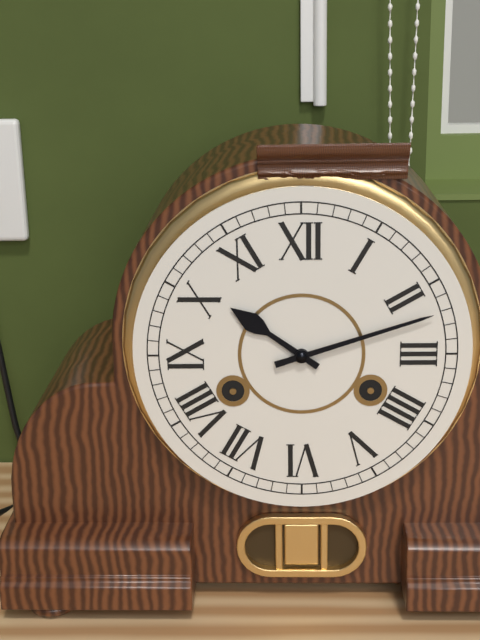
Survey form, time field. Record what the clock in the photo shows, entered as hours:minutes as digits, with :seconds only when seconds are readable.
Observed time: 10:12
